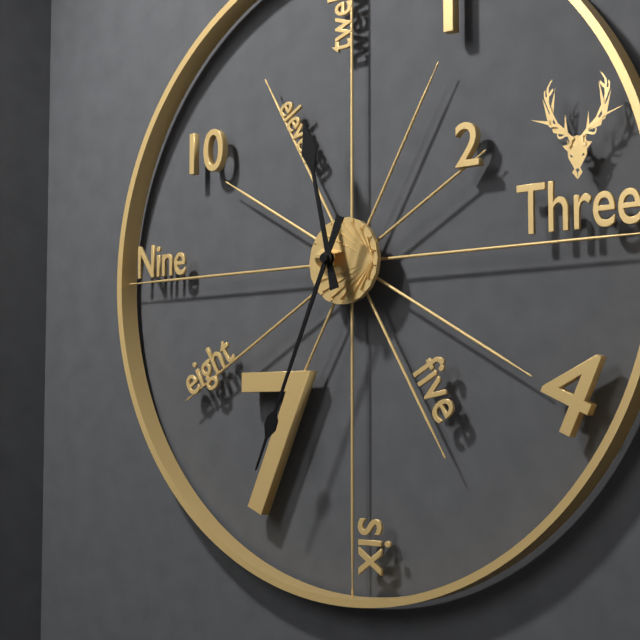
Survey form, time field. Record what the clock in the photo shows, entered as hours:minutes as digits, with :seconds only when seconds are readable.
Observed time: 11:34
